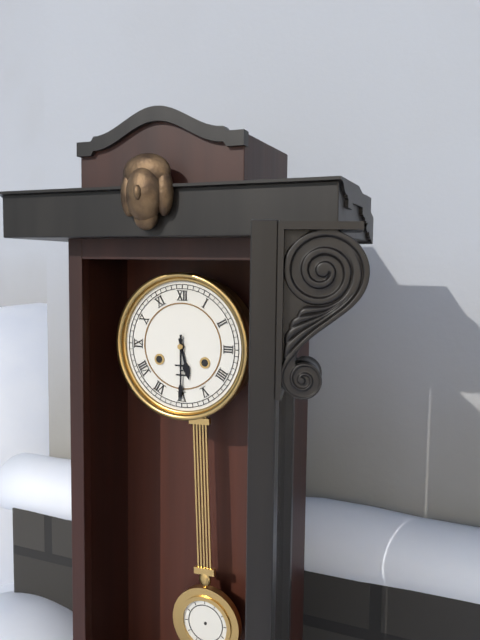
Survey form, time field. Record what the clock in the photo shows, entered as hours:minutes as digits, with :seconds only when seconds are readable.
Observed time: 5:30
